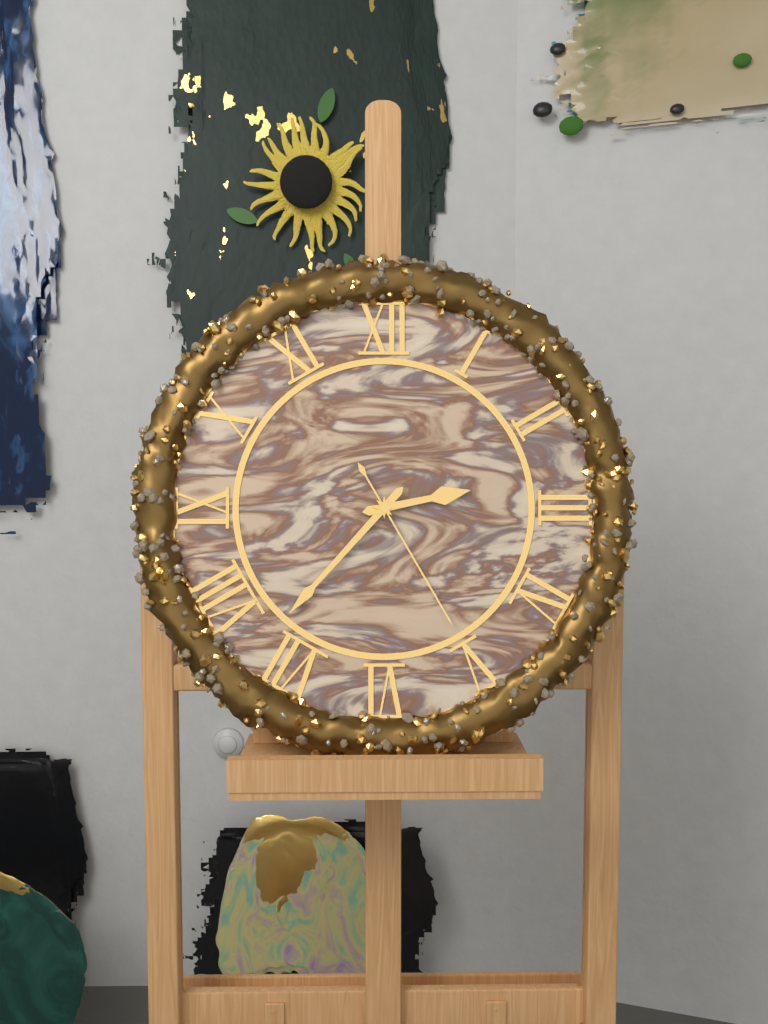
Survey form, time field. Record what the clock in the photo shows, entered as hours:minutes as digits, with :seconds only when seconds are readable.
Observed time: 2:37:25
